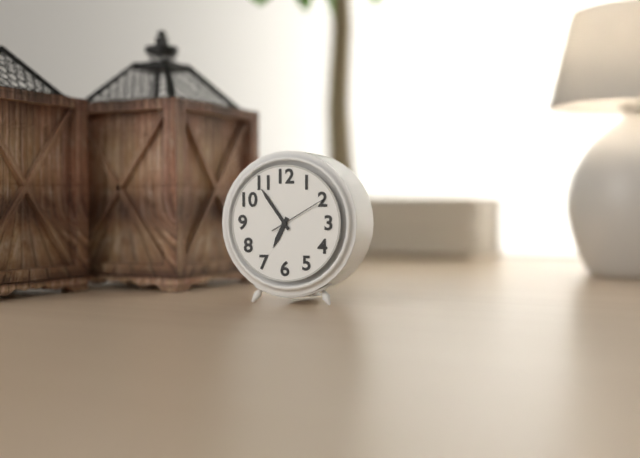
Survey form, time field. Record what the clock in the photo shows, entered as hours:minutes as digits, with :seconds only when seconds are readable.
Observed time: 6:54:10
